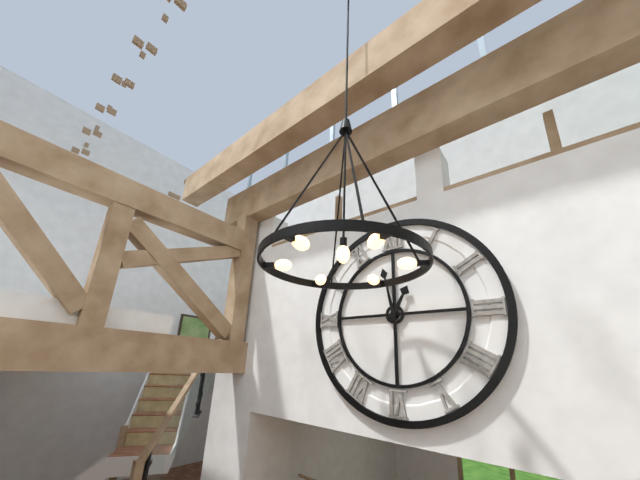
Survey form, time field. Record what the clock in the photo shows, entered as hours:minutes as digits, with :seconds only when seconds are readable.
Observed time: 12:58
